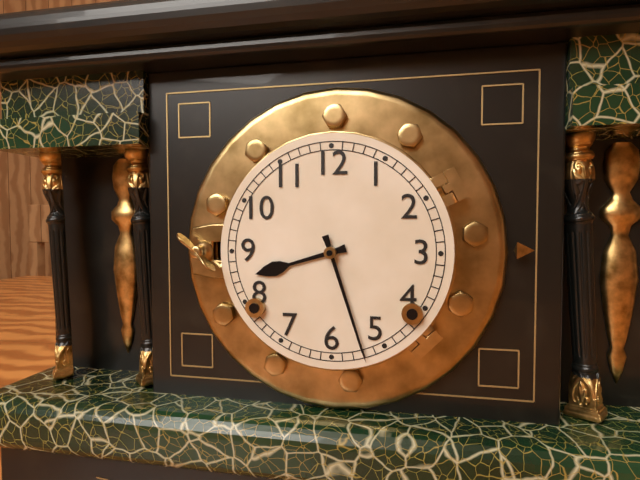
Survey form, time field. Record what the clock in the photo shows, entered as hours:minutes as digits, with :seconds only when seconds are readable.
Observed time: 8:27
